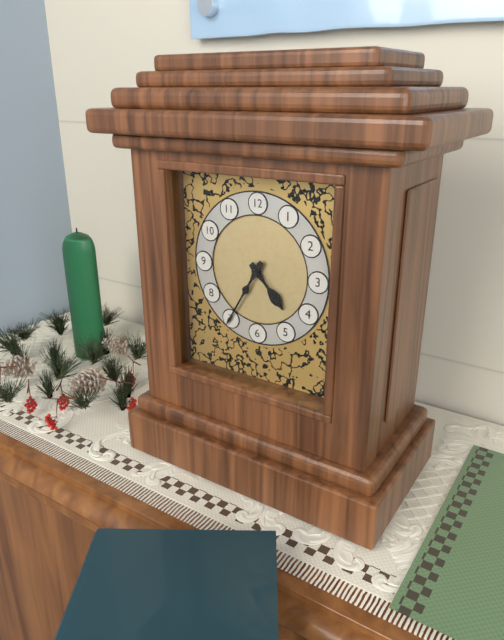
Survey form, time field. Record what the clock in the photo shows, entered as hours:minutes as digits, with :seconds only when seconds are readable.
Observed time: 4:35
